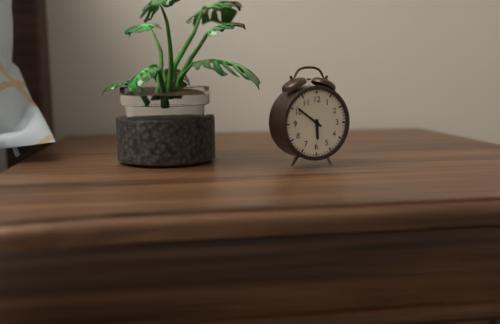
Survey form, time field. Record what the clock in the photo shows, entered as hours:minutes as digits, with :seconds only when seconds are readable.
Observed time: 5:51
